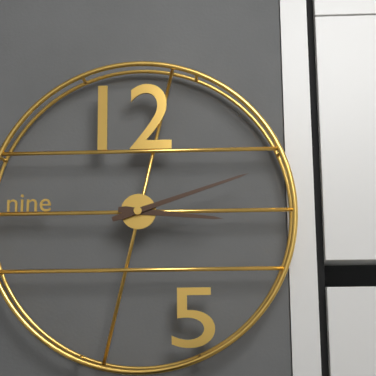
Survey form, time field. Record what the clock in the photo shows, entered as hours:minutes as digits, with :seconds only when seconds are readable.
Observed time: 3:12
